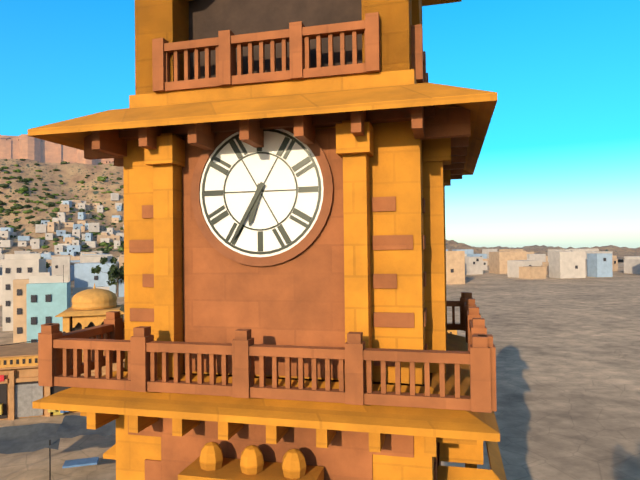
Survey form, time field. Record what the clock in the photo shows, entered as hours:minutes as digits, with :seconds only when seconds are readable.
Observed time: 6:35
